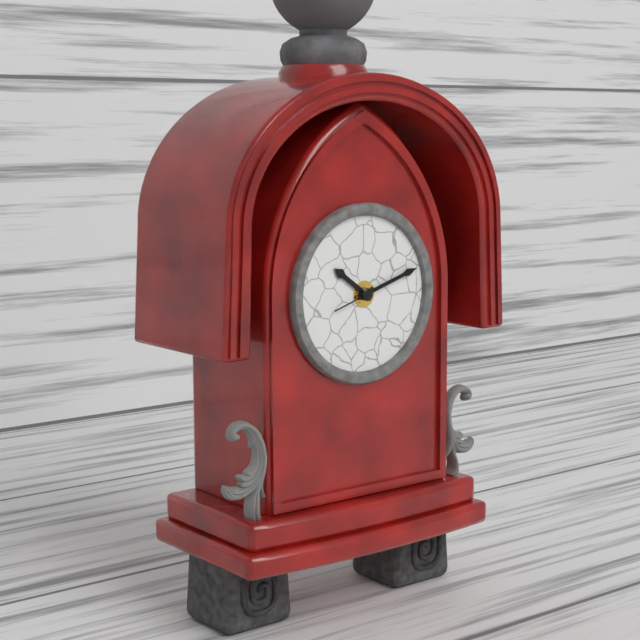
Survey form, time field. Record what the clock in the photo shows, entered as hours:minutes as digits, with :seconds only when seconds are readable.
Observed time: 10:12:12
